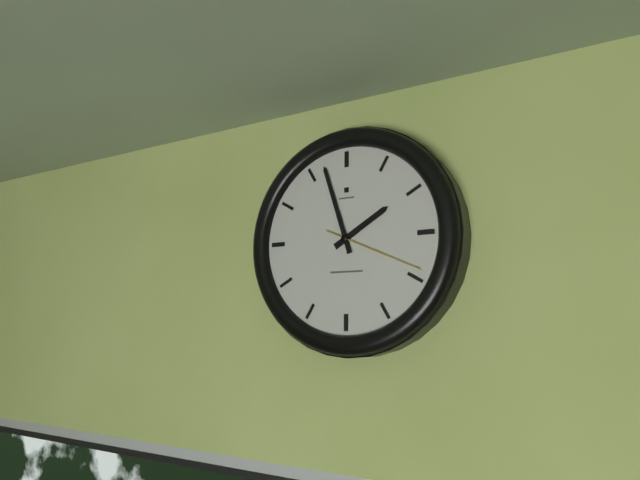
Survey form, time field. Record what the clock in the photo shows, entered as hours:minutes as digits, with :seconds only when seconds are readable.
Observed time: 1:57:19
